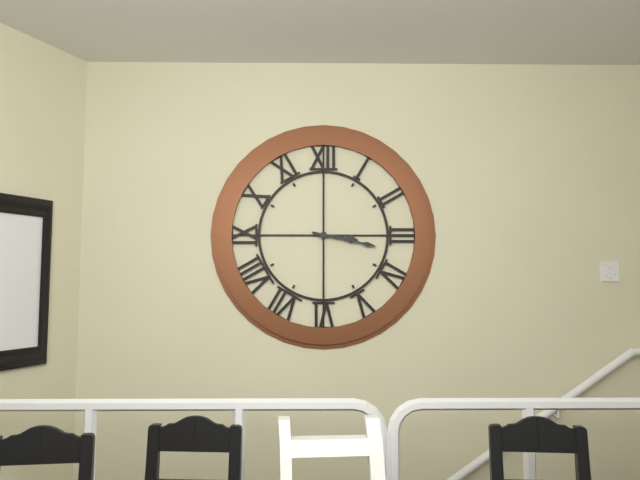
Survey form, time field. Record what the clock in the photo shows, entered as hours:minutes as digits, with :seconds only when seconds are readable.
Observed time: 3:17
